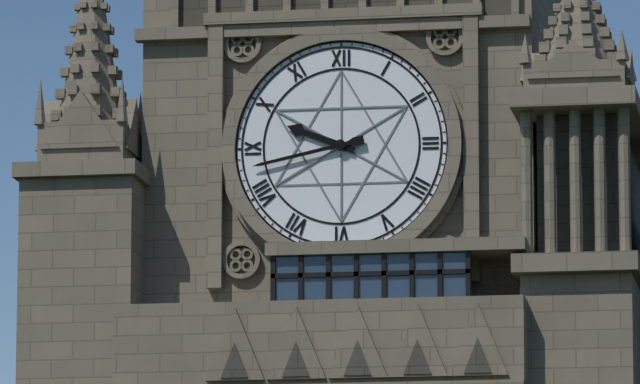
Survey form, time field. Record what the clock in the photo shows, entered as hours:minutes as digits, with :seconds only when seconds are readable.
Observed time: 9:43
